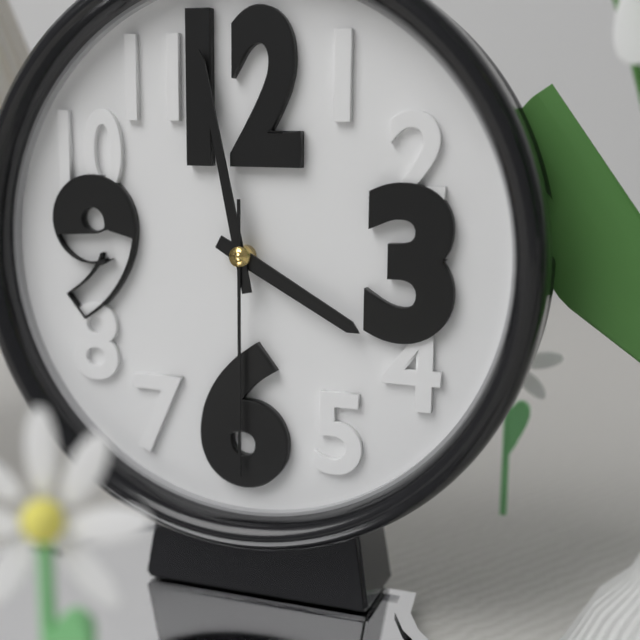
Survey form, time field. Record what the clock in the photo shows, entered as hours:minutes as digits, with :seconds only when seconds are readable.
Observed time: 3:58:30
